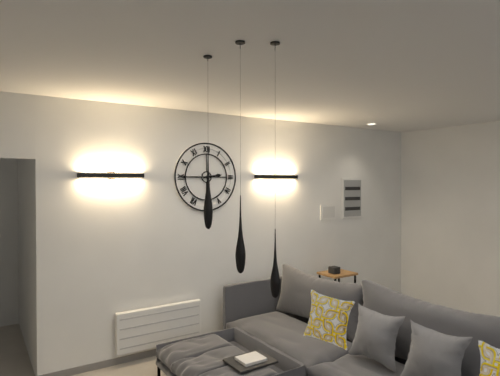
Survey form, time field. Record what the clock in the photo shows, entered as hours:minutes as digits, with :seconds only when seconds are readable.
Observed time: 2:45
